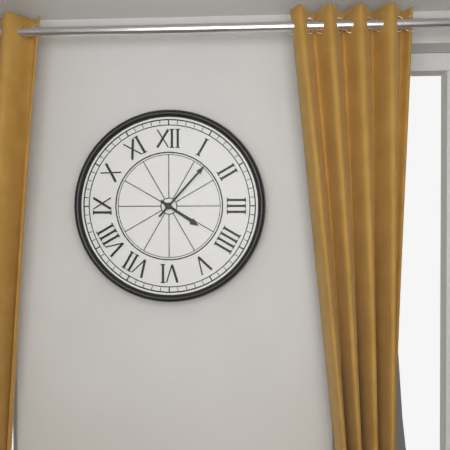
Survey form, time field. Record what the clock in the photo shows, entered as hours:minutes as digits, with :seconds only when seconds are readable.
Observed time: 4:07
